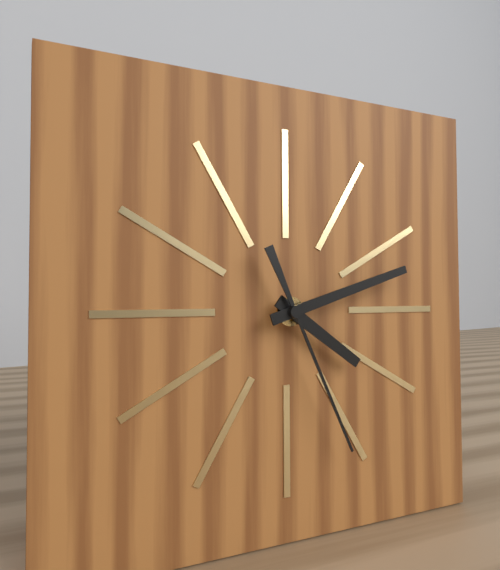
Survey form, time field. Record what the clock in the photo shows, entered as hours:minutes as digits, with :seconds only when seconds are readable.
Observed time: 4:12:26
